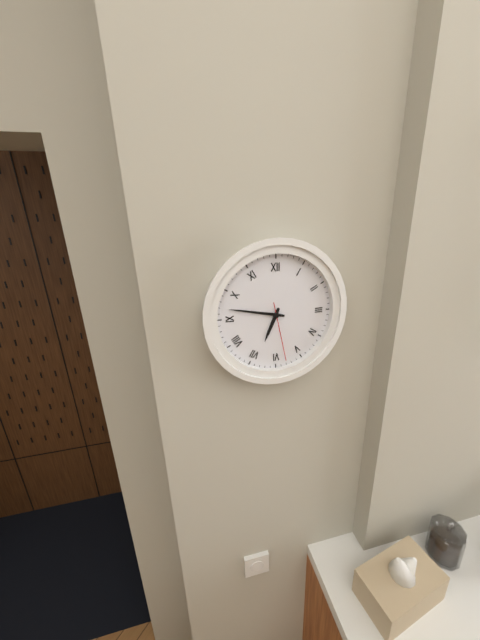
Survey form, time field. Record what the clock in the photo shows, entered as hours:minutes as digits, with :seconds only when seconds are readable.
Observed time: 6:47:28
